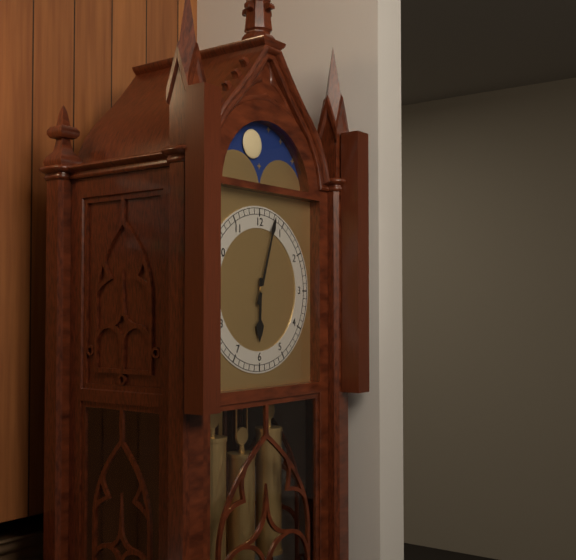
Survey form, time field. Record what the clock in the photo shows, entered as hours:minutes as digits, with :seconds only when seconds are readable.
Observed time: 6:03
